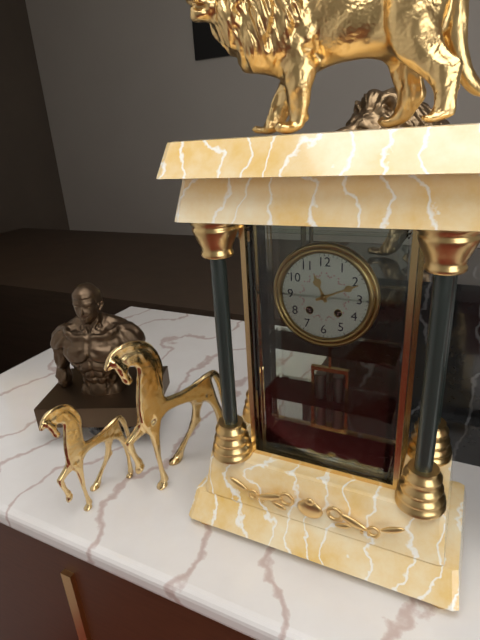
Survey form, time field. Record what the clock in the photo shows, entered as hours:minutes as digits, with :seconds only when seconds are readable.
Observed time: 11:11
